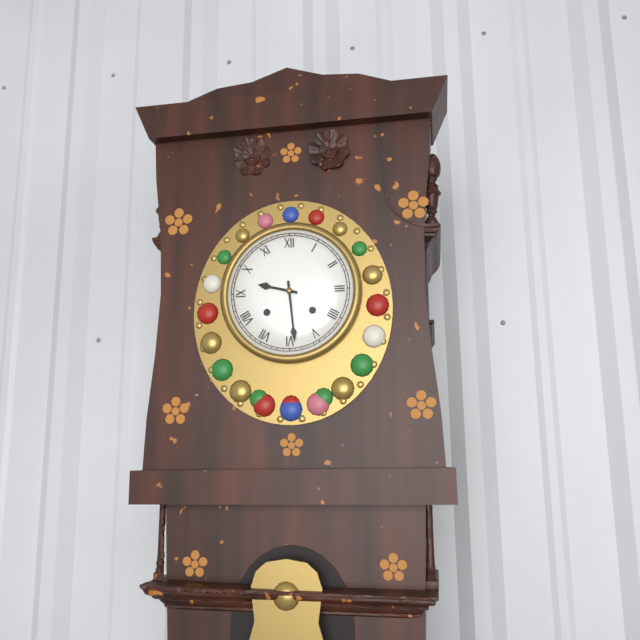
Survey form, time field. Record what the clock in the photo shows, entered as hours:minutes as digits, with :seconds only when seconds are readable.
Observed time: 9:29
